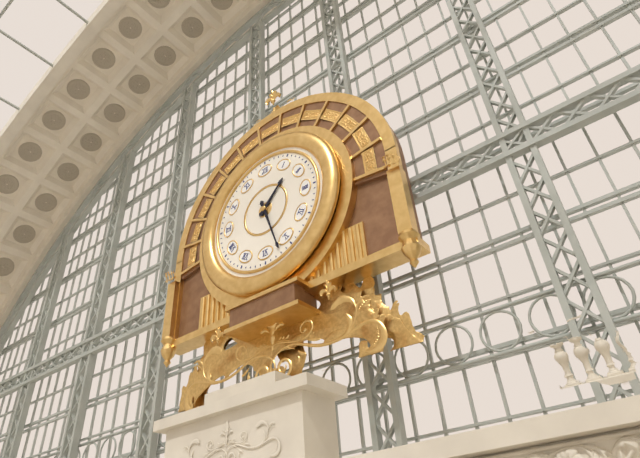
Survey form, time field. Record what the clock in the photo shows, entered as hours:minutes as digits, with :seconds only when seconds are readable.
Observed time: 1:27
